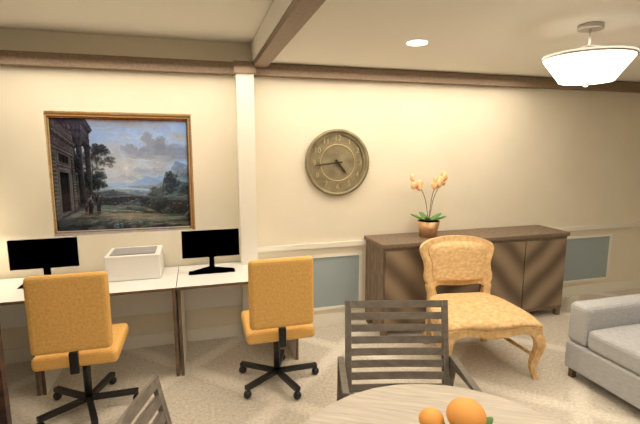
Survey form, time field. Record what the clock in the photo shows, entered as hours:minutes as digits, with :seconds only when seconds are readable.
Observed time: 4:44
